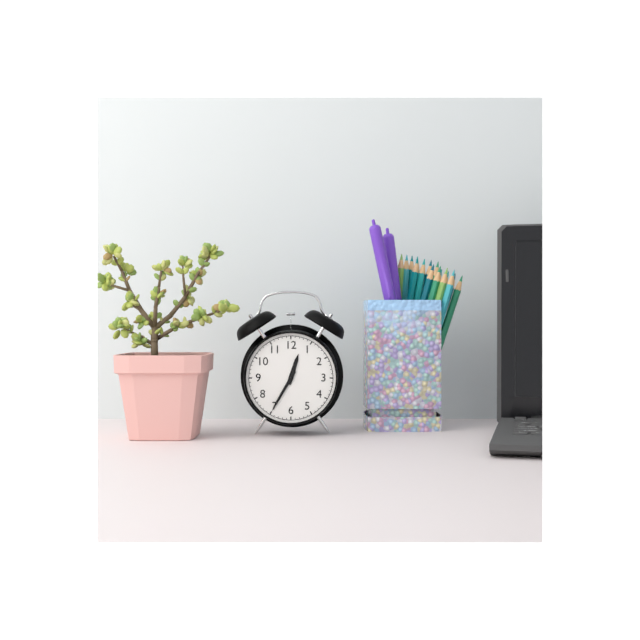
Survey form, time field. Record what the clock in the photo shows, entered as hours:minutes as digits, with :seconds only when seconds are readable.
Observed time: 12:35
